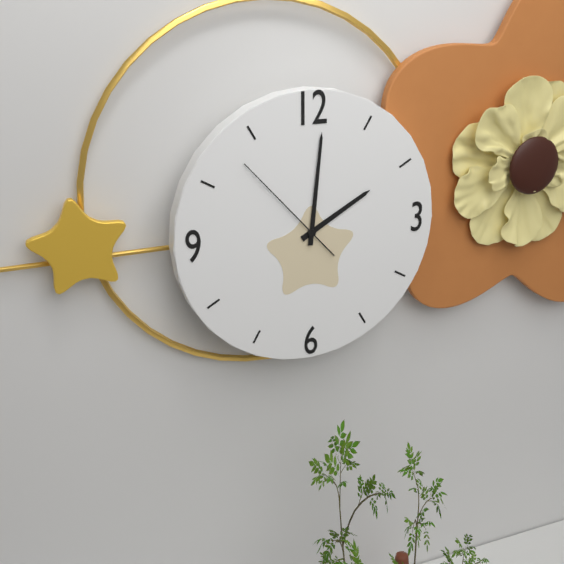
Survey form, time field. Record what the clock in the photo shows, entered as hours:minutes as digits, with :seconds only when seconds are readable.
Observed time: 2:01:53
